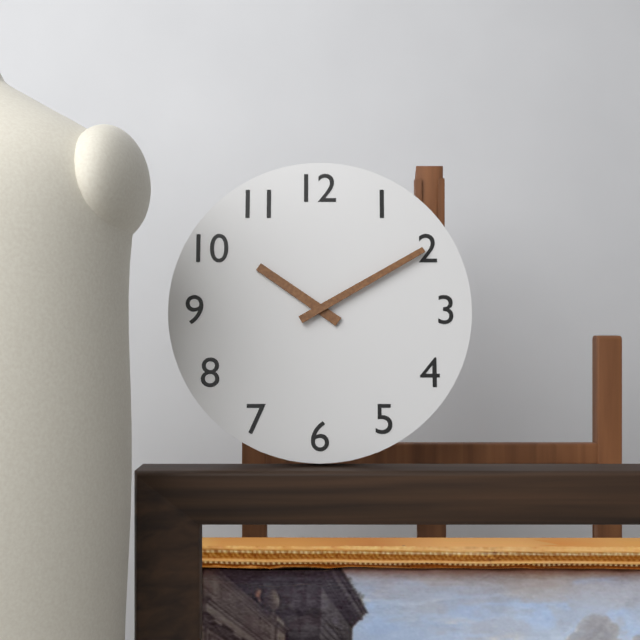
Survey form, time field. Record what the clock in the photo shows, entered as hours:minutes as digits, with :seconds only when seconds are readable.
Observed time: 10:10
